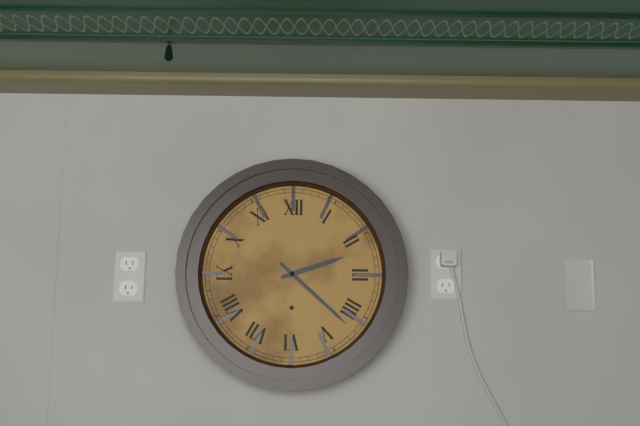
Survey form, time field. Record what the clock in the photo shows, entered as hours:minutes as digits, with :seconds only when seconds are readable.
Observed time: 2:22
